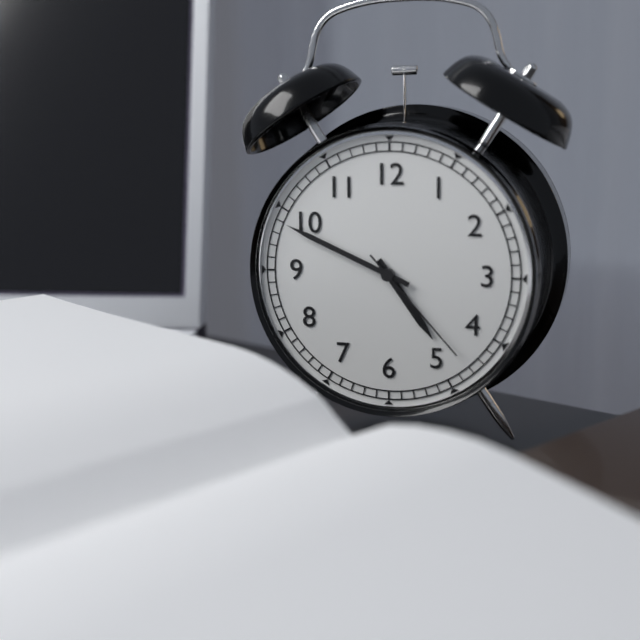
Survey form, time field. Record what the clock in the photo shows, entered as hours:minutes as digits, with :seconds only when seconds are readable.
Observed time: 4:49:23
